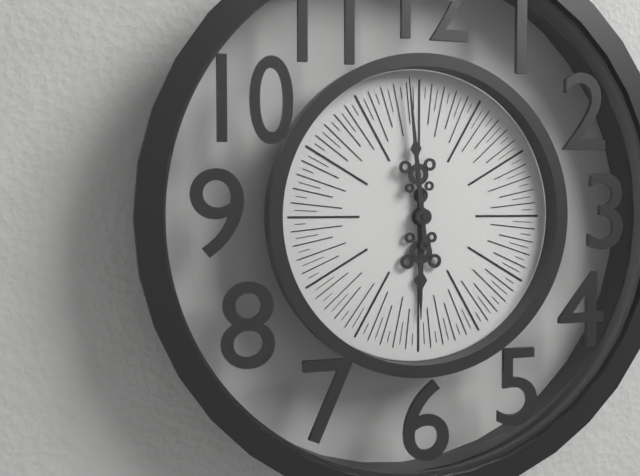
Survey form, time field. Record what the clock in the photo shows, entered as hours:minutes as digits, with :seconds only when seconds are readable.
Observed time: 5:59
